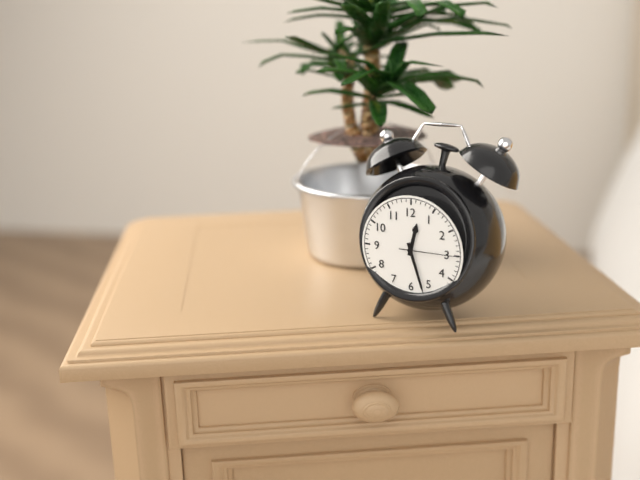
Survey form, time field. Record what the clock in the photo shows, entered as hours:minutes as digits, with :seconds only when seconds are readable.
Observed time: 12:27:15
